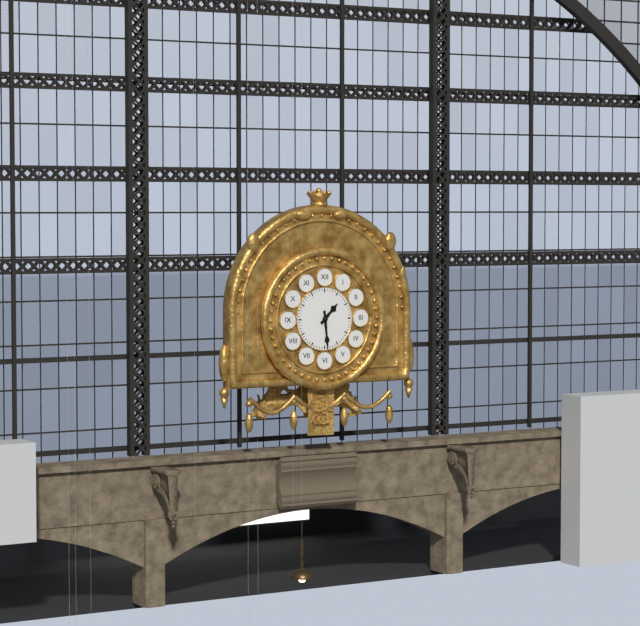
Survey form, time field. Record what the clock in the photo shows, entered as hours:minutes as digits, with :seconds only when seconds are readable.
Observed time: 1:29
